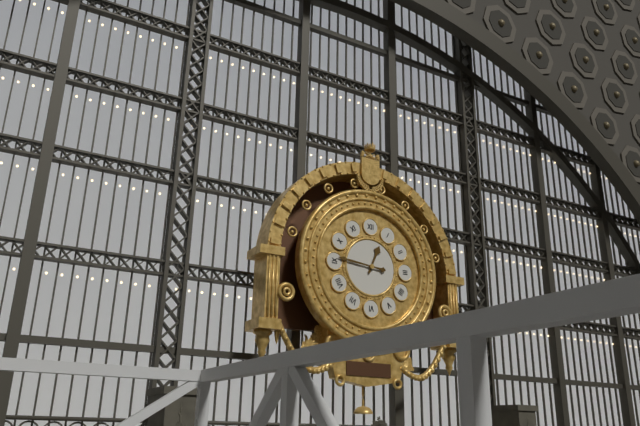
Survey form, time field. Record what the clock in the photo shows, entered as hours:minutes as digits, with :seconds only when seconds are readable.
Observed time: 12:46
